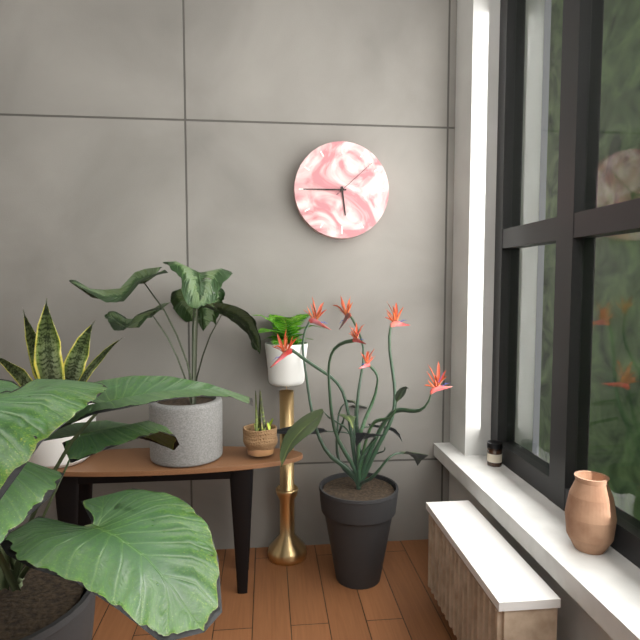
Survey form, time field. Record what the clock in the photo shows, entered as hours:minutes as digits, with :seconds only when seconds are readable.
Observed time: 5:45
